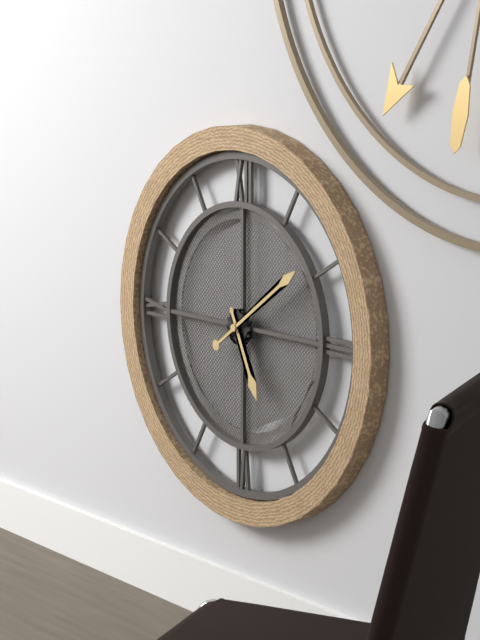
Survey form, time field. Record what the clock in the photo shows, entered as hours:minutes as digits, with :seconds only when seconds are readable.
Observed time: 5:09
